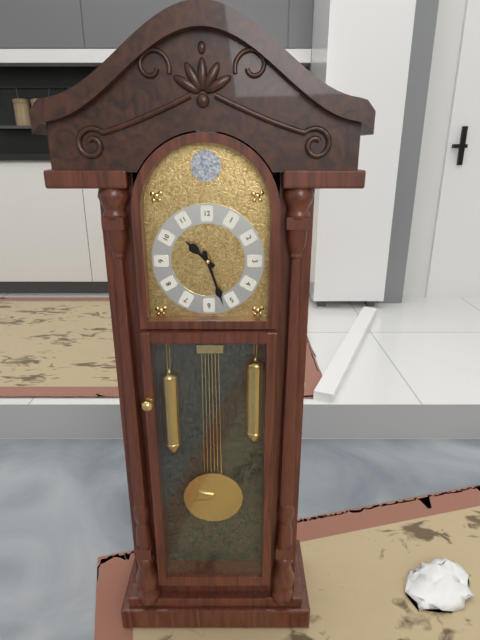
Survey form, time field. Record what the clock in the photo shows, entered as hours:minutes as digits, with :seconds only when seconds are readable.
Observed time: 10:27
